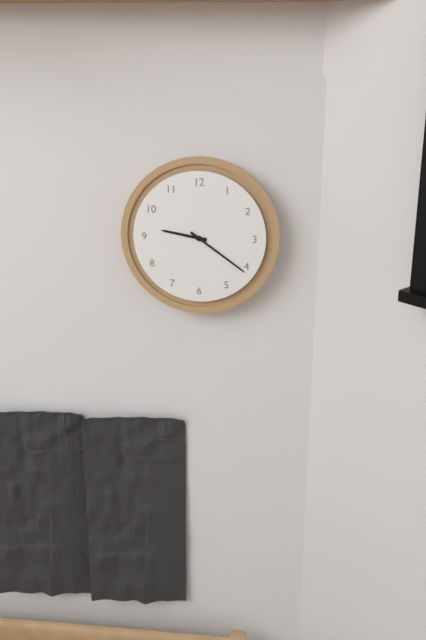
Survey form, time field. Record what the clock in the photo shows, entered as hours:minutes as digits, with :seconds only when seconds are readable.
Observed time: 9:21
